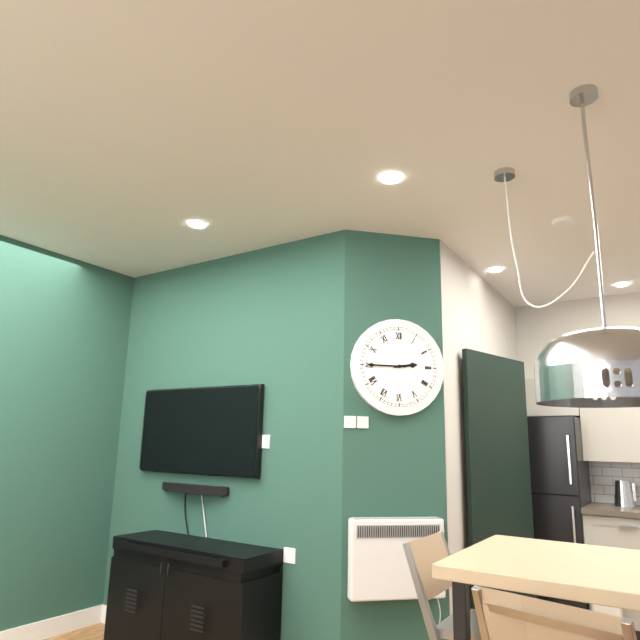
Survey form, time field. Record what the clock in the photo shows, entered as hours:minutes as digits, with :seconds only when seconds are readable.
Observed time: 2:45
